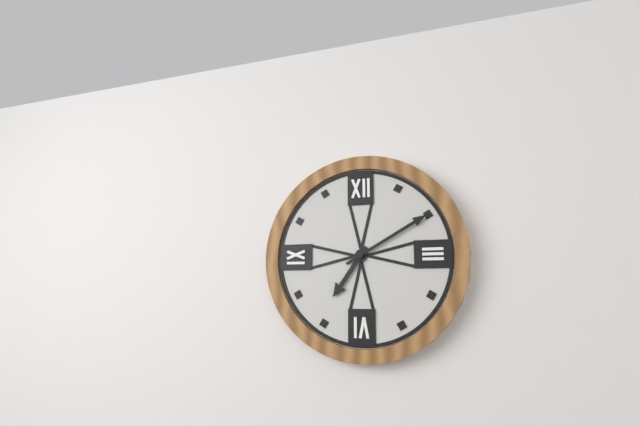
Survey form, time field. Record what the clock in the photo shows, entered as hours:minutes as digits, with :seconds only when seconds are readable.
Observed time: 7:10
